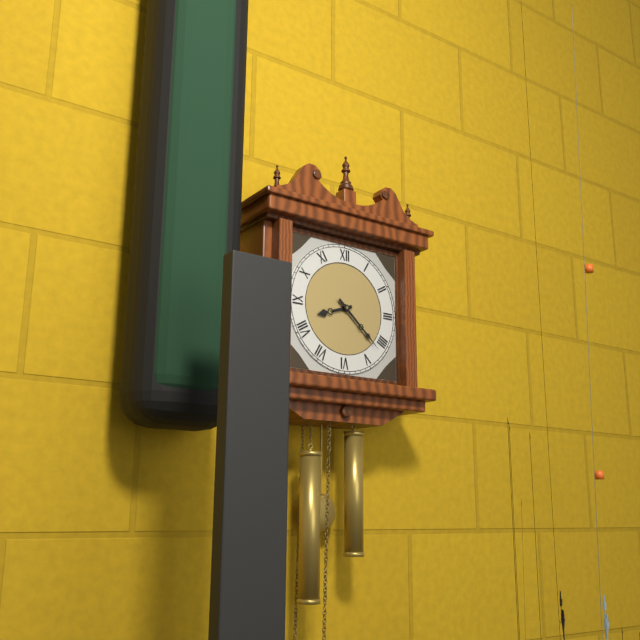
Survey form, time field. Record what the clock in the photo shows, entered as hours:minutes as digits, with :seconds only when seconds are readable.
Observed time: 8:22
